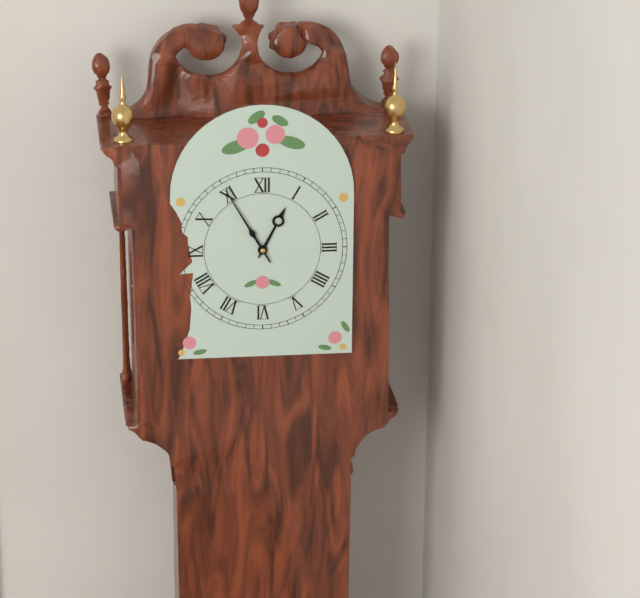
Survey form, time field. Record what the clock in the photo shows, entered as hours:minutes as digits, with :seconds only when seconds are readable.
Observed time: 12:55
